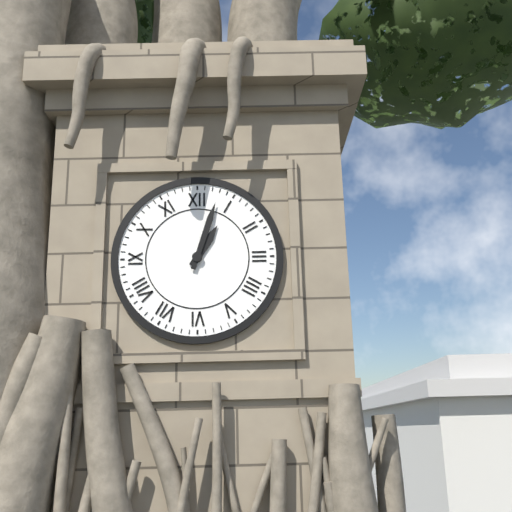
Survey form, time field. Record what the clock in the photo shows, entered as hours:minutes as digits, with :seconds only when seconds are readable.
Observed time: 1:03
